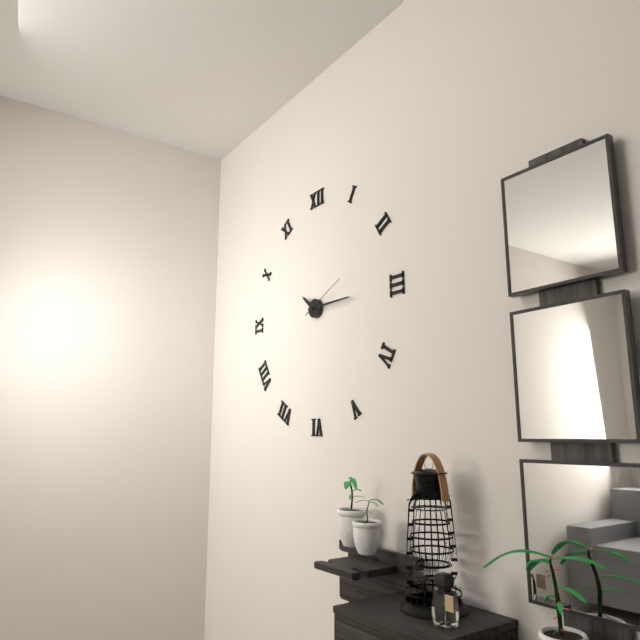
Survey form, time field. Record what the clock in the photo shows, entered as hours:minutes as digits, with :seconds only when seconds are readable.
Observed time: 10:15
